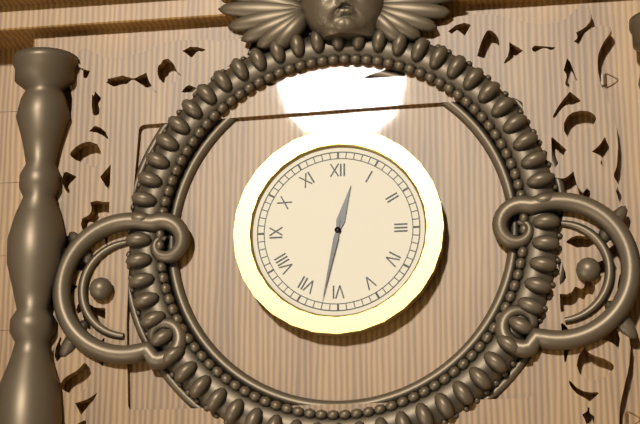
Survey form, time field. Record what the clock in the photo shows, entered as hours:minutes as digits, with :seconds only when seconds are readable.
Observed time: 12:32
